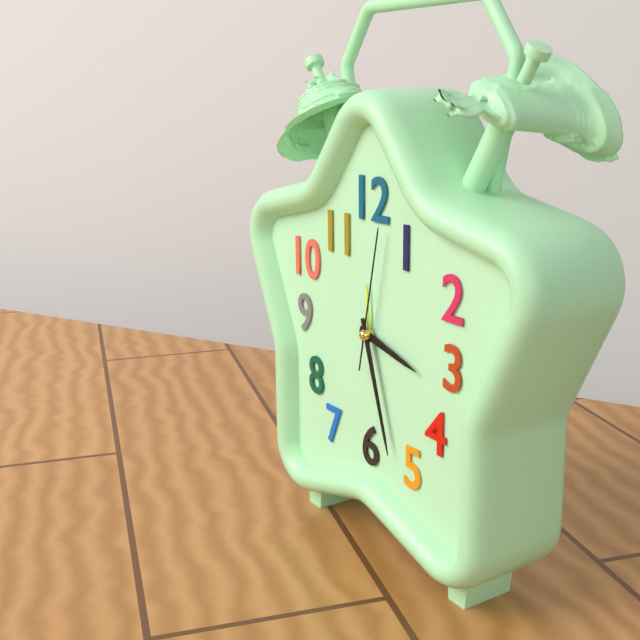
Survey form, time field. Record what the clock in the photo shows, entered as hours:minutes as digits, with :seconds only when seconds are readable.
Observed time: 3:27:02
